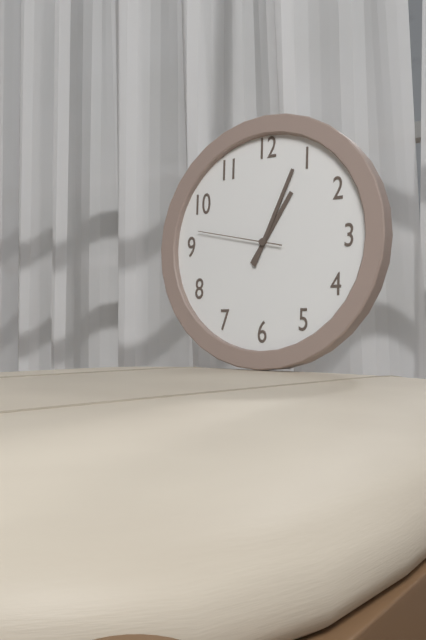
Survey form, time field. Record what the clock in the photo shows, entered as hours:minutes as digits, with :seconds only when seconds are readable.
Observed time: 1:04:47
